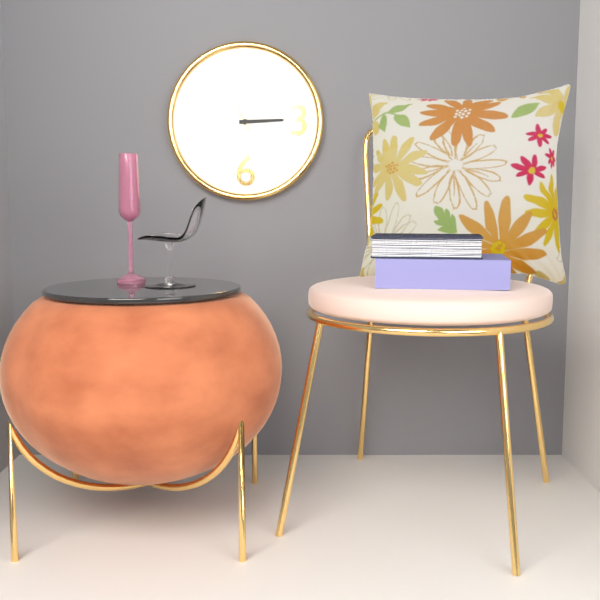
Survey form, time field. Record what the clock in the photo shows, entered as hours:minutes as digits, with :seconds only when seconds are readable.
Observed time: 2:55
